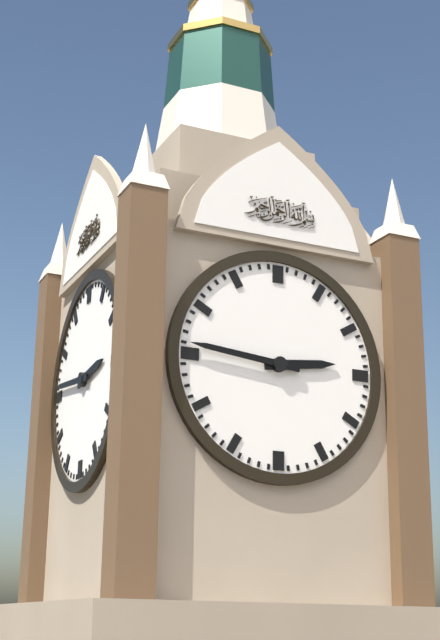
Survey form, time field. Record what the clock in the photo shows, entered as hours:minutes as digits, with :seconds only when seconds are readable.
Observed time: 2:46
